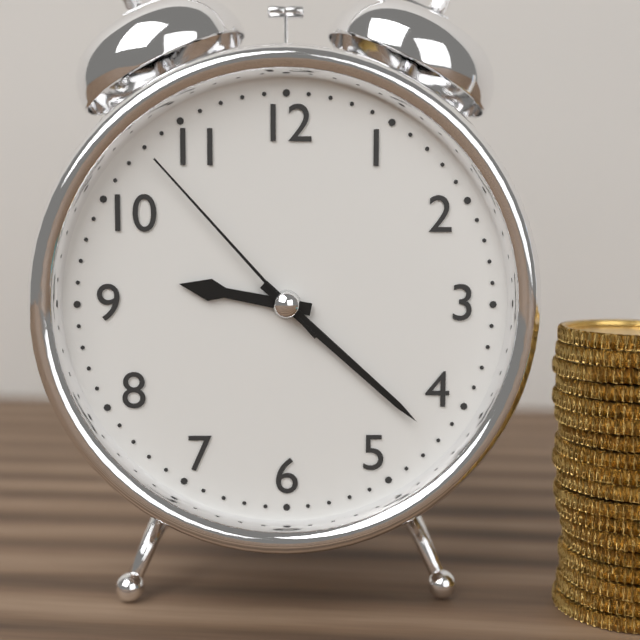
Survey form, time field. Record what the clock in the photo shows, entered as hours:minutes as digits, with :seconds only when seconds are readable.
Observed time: 9:22:53
